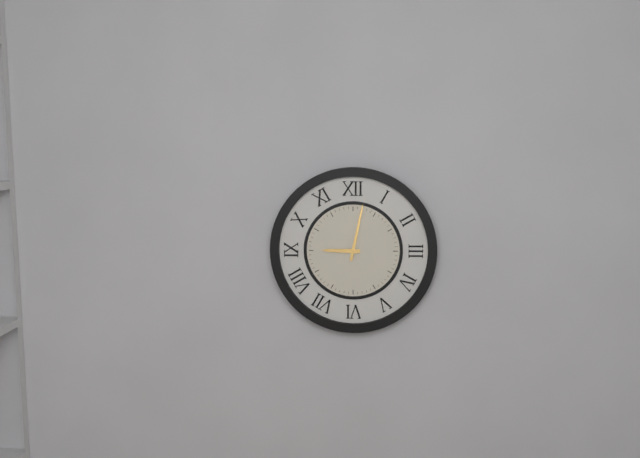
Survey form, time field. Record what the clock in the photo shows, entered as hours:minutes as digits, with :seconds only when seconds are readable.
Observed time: 9:02
